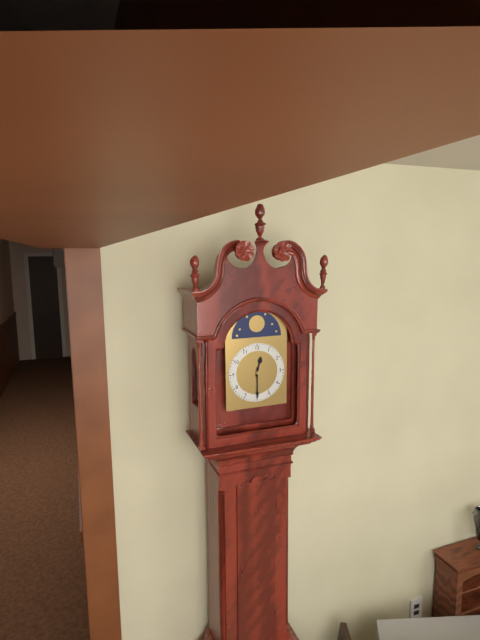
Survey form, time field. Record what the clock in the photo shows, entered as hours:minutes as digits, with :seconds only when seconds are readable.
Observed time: 12:30
